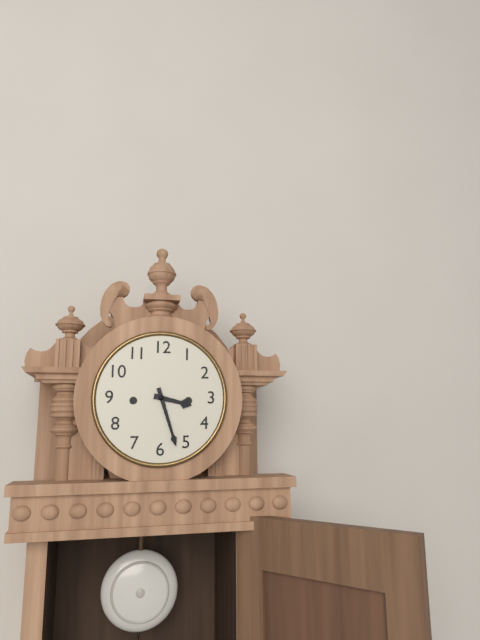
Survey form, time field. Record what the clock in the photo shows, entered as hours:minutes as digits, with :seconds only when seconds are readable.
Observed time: 3:27
